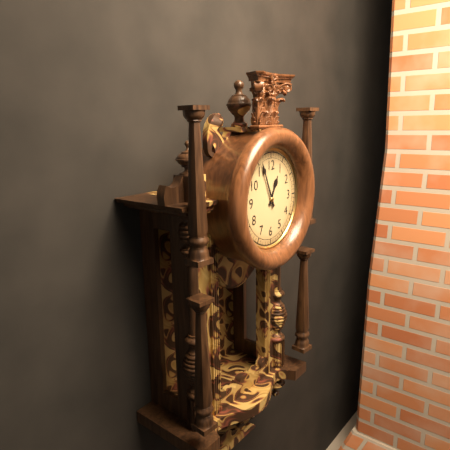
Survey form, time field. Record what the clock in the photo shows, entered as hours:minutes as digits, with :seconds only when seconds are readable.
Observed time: 12:56
